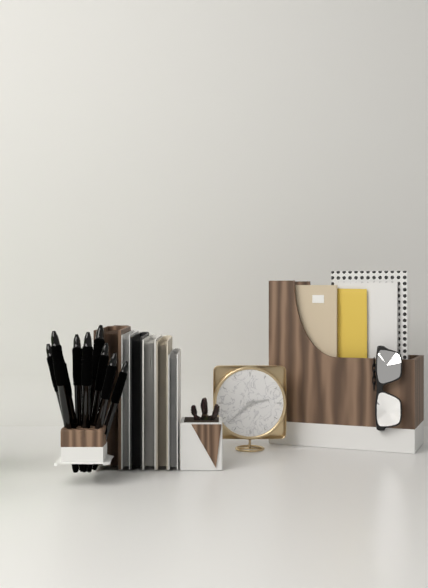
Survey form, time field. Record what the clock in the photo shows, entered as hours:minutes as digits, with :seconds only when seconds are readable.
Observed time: 2:38
